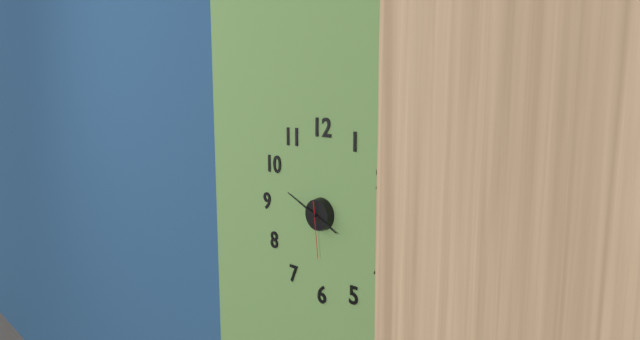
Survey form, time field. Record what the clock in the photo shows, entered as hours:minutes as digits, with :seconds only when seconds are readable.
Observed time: 3:49:29
